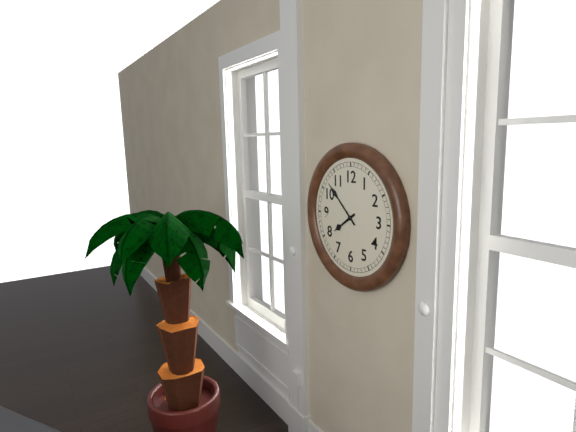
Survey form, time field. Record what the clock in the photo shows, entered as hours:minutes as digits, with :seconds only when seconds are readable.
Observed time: 7:52
